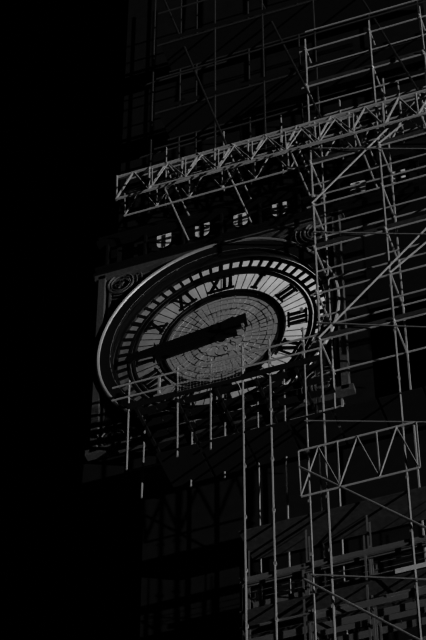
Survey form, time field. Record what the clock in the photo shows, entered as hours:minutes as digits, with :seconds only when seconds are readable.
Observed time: 8:44
